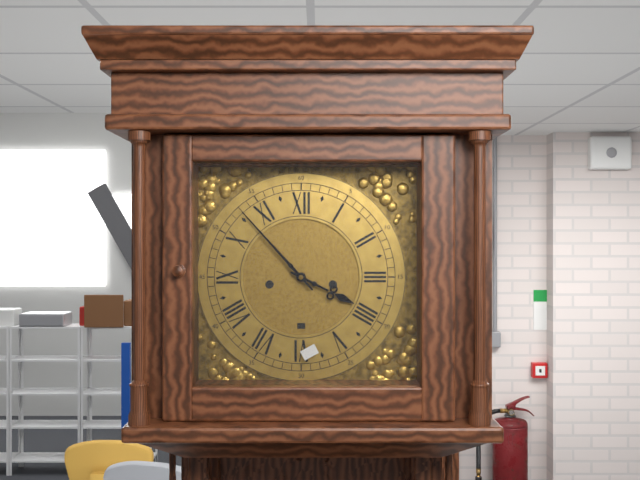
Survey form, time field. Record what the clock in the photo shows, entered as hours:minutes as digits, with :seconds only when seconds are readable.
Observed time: 3:53
